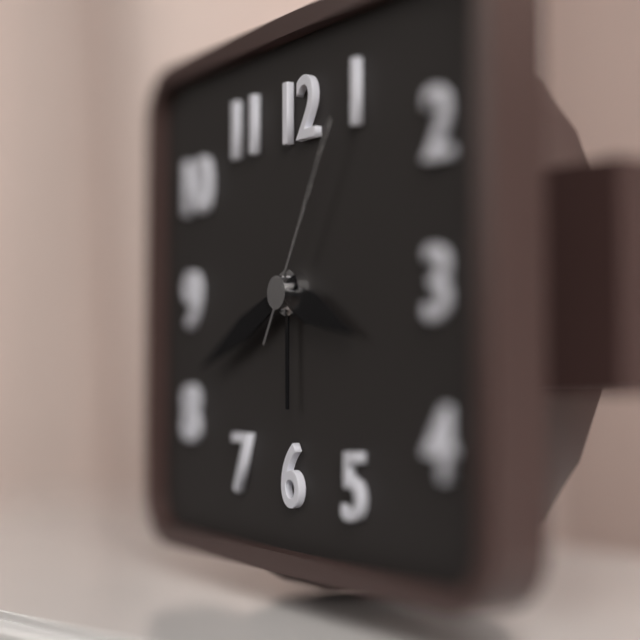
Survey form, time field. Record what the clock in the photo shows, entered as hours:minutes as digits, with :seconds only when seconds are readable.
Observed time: 3:41:05
